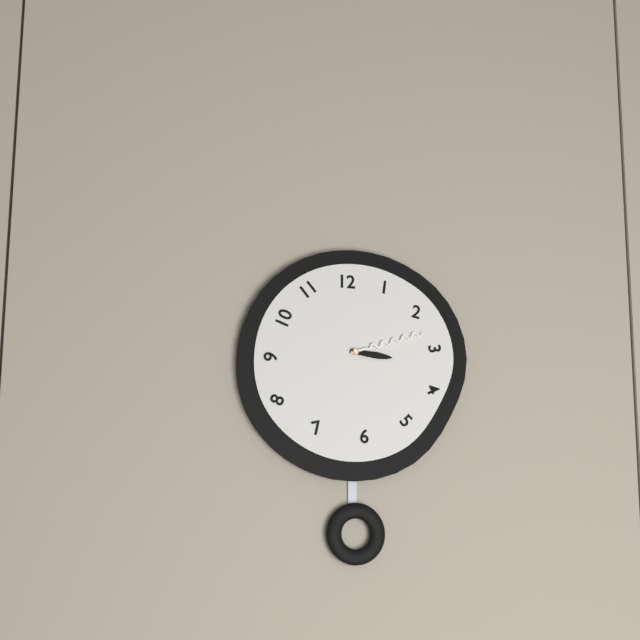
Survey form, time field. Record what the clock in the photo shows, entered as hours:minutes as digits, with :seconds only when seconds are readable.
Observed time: 3:12
